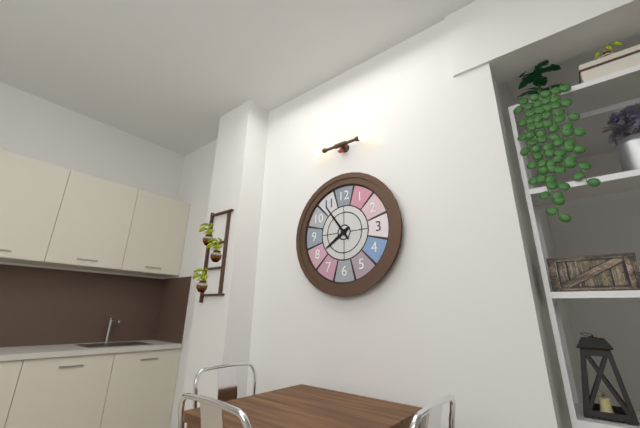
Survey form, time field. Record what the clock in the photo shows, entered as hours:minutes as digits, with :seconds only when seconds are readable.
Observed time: 7:54
